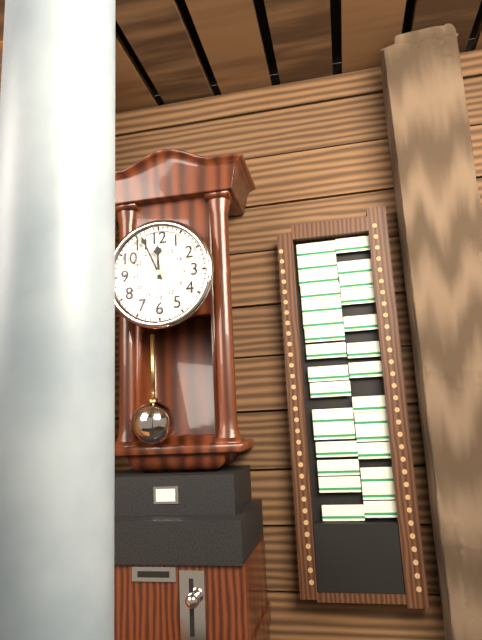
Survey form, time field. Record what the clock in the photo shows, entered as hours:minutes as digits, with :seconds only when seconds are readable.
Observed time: 11:56
